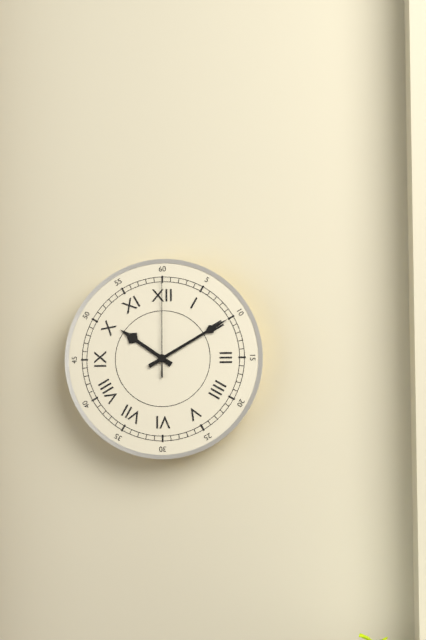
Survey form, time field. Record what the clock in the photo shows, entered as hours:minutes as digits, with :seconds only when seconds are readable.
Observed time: 10:10:00
